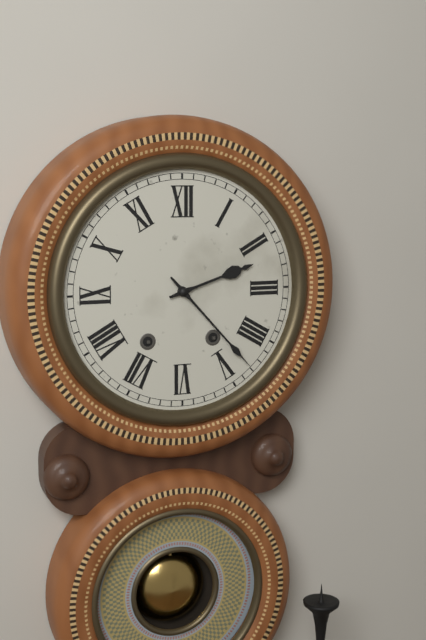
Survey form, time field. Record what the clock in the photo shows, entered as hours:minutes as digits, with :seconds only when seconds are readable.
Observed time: 2:23
